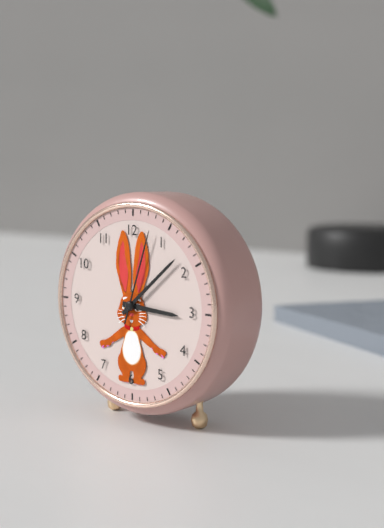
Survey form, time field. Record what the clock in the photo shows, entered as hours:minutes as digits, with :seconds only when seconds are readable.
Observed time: 3:08:03
